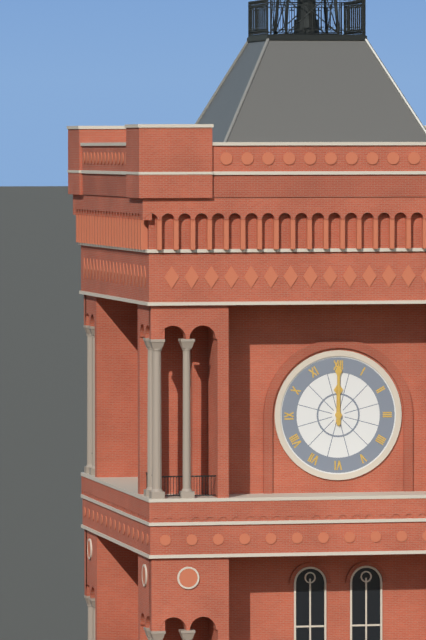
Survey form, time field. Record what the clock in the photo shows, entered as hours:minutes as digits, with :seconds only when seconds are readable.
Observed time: 12:00
